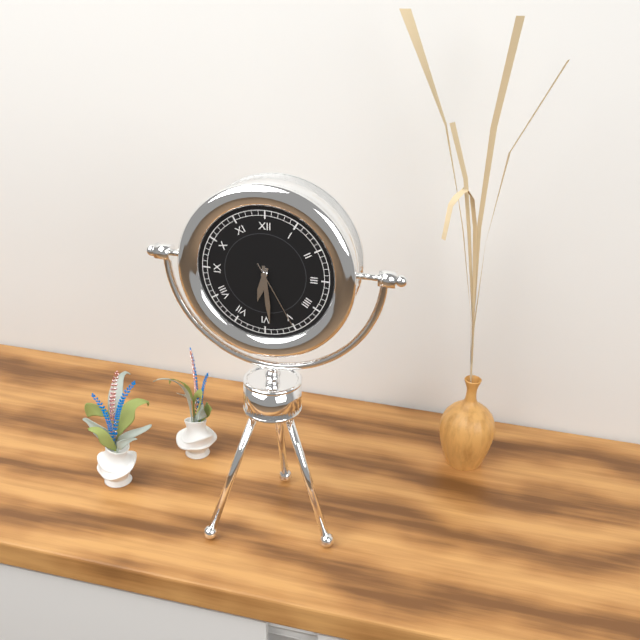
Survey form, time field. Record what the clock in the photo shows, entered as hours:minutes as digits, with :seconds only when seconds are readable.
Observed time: 6:29:25
